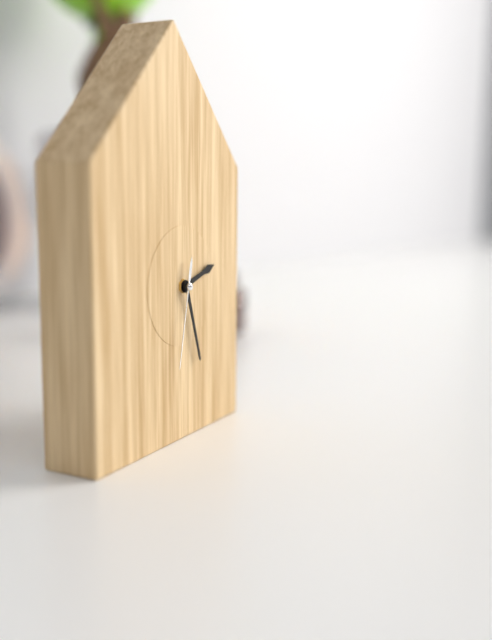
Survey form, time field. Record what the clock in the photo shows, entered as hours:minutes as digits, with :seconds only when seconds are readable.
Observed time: 2:27:32
